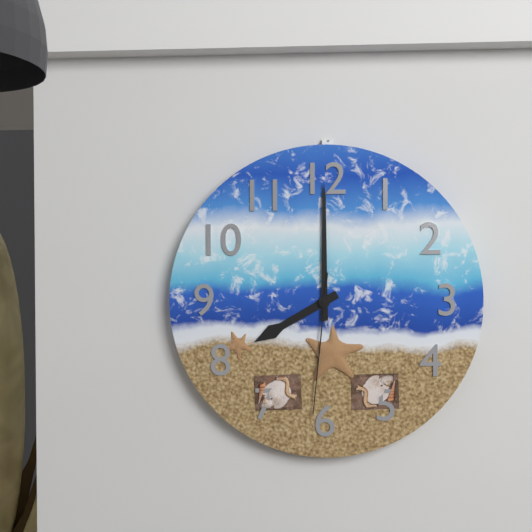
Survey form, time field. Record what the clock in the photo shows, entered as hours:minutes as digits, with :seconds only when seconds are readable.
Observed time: 8:00:31
